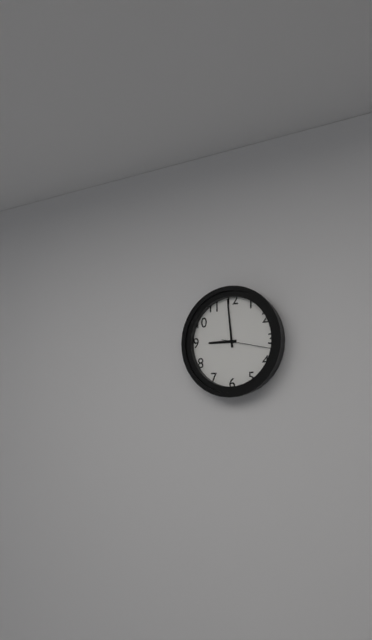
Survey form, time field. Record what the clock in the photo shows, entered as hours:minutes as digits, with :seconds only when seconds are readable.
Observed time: 8:59:17
